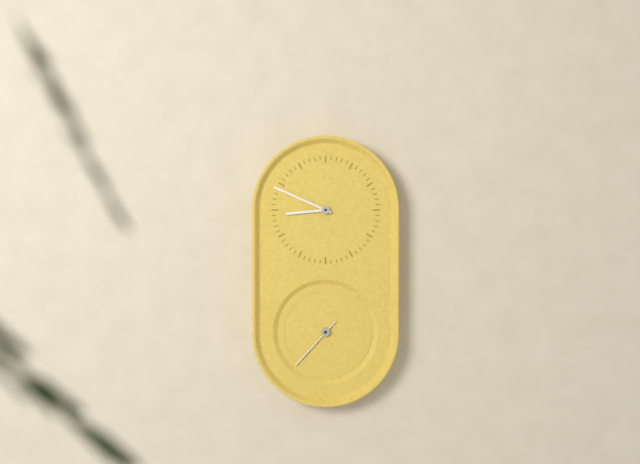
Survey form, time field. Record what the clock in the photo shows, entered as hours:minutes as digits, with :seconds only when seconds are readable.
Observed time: 8:49:37
